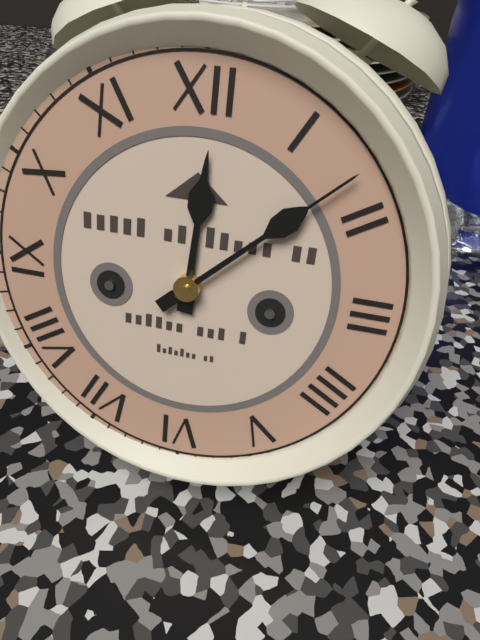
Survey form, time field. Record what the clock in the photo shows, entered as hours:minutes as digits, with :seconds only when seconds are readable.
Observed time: 12:08
